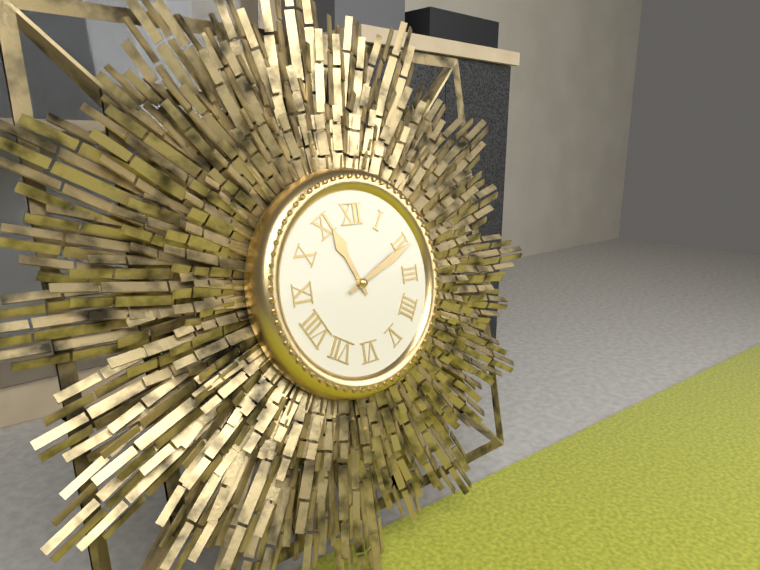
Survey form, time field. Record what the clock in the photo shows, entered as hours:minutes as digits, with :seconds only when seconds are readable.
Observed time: 11:11
